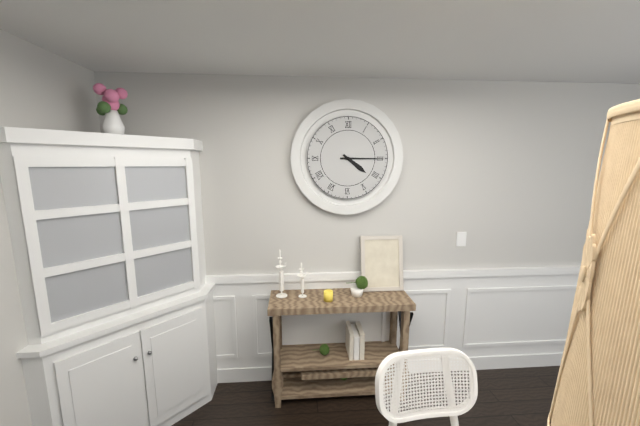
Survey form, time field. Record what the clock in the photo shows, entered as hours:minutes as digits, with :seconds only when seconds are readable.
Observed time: 4:15
